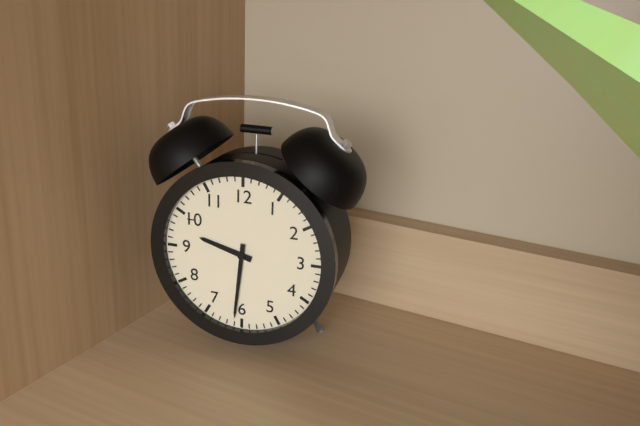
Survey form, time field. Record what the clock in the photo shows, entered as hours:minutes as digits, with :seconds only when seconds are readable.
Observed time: 9:31
